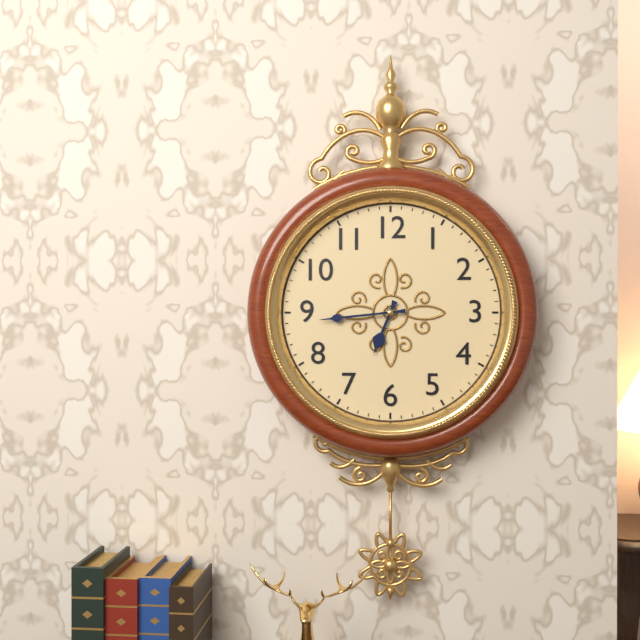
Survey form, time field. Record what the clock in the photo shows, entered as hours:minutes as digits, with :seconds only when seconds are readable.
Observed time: 6:44
